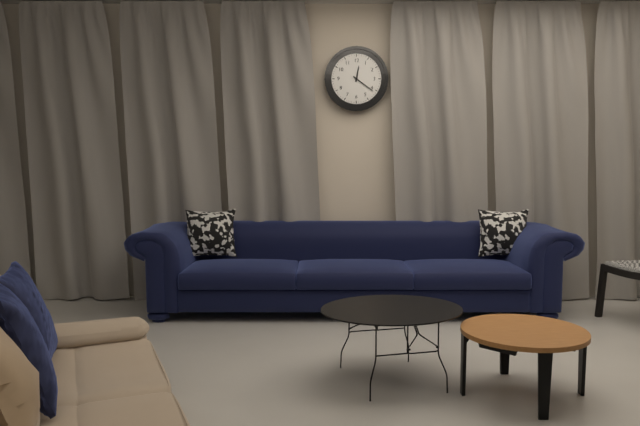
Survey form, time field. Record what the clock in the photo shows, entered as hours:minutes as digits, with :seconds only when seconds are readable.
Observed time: 12:21
